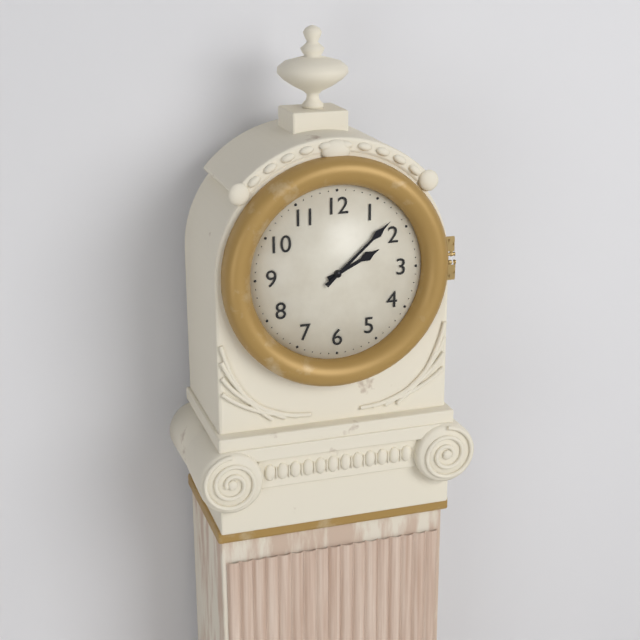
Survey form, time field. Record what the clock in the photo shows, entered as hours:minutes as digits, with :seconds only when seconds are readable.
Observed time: 2:08
